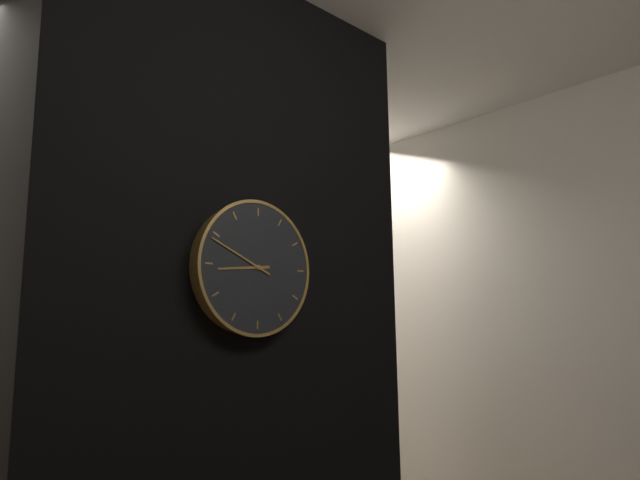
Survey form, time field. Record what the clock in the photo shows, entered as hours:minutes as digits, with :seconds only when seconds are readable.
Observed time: 8:49
